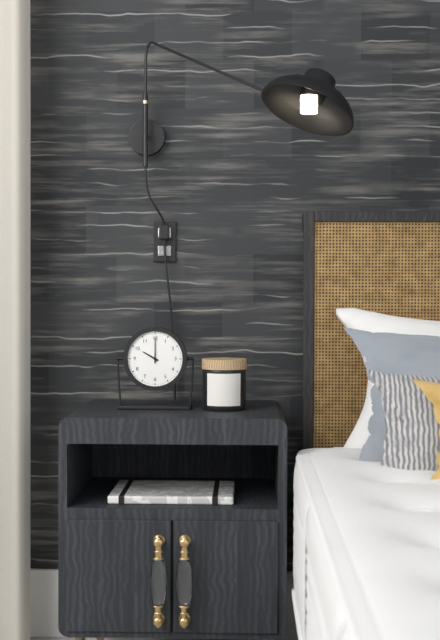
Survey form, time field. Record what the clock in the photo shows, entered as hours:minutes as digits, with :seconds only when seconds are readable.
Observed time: 10:00
